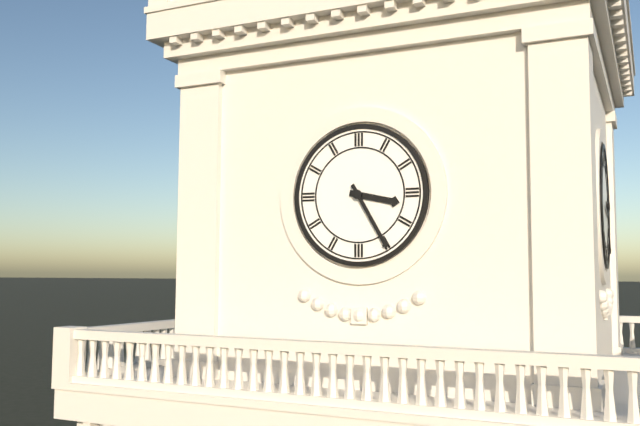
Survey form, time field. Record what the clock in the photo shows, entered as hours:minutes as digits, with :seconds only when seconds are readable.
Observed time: 3:25
